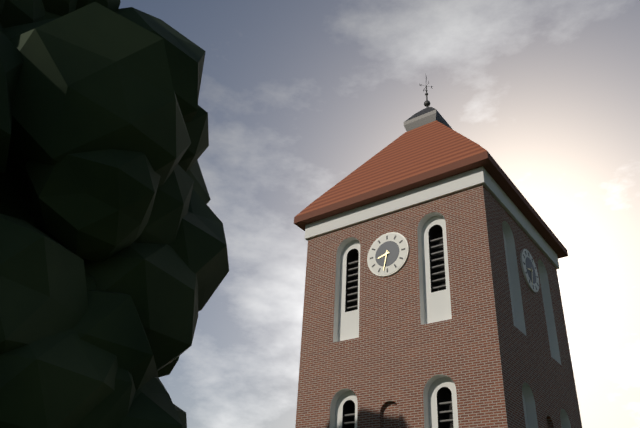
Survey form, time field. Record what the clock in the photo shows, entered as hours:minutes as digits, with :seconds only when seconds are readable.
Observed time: 8:32
